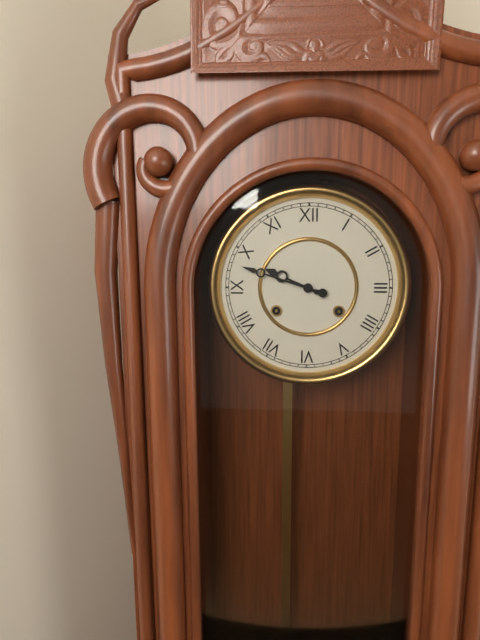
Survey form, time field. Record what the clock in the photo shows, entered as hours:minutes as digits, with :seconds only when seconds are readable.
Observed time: 9:48
